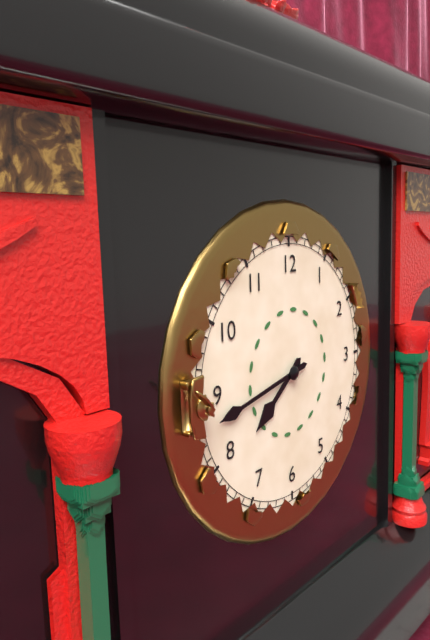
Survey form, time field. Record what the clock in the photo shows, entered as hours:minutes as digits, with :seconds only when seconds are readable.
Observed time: 7:43
